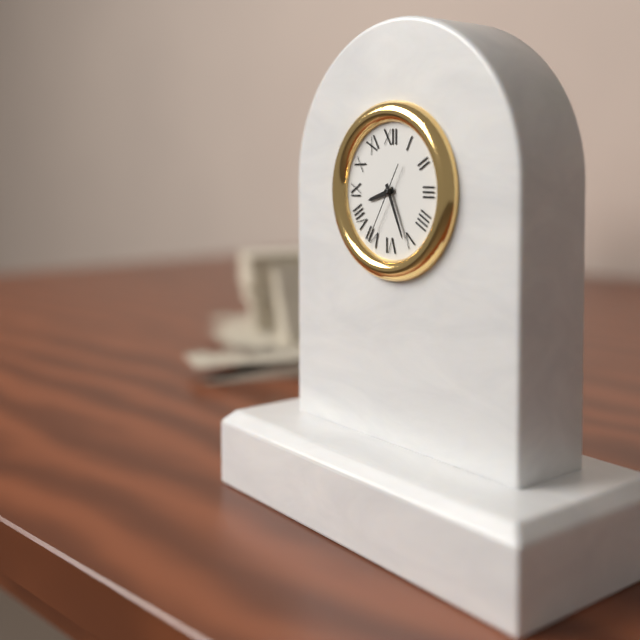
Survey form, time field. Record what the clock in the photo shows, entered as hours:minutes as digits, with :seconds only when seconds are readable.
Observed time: 8:26:35
